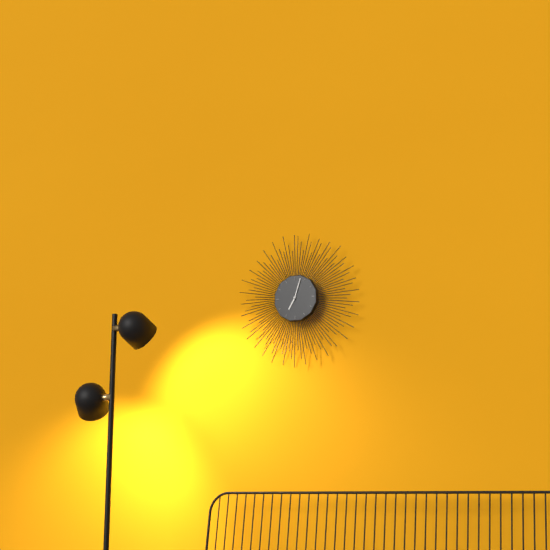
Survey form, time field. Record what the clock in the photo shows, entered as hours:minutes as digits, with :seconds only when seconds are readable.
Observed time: 7:03
